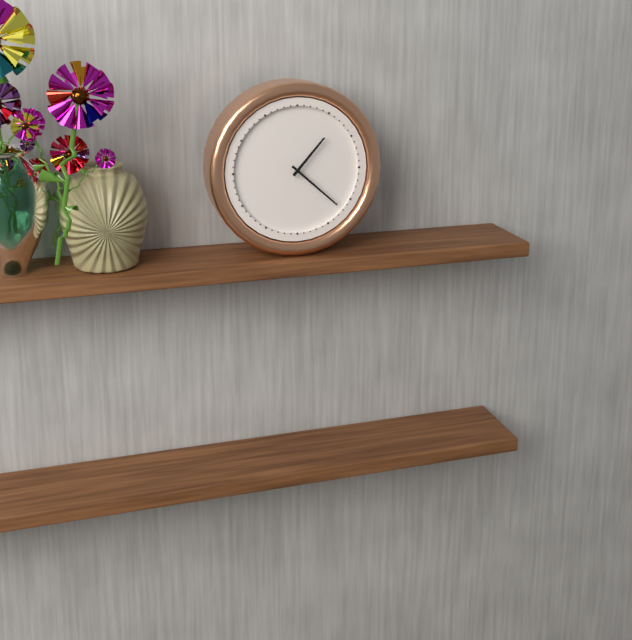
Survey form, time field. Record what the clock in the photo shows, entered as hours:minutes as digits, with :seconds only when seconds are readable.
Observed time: 1:22
